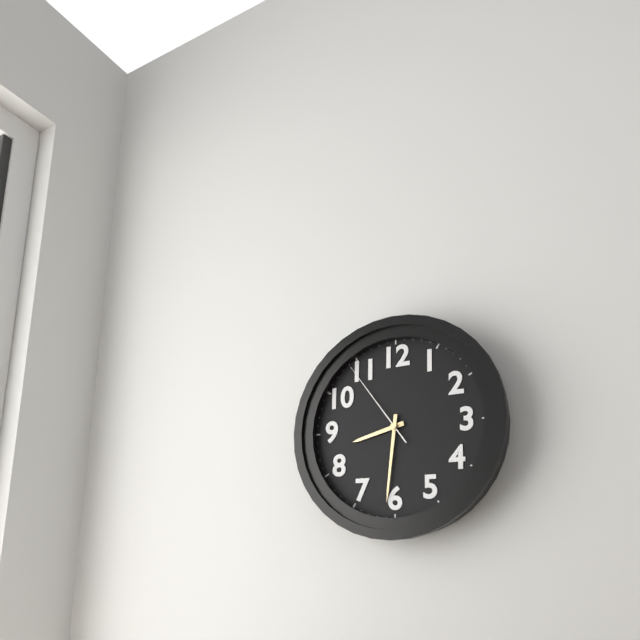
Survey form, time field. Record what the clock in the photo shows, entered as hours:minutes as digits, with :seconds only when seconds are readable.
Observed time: 8:31:54
